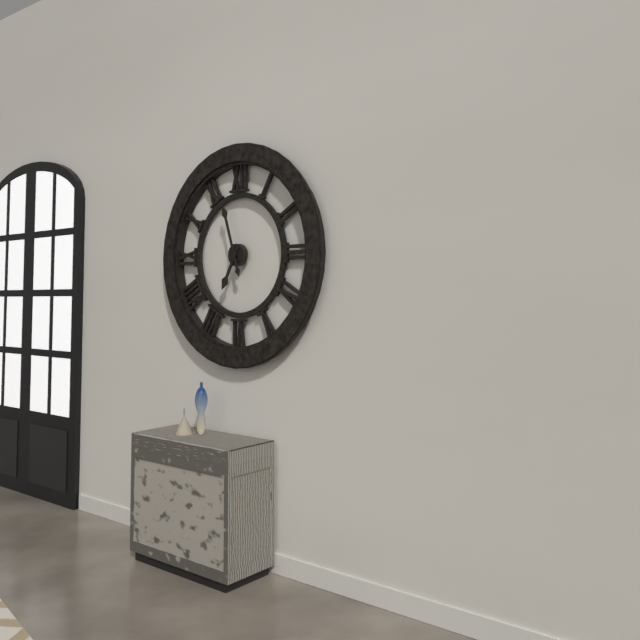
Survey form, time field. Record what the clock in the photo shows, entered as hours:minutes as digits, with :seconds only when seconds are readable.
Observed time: 6:57
